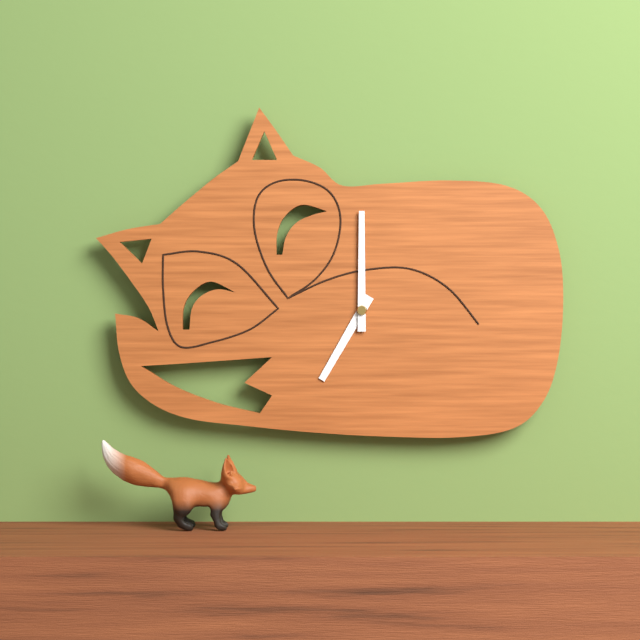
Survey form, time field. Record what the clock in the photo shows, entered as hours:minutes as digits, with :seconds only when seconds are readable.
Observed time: 7:00
